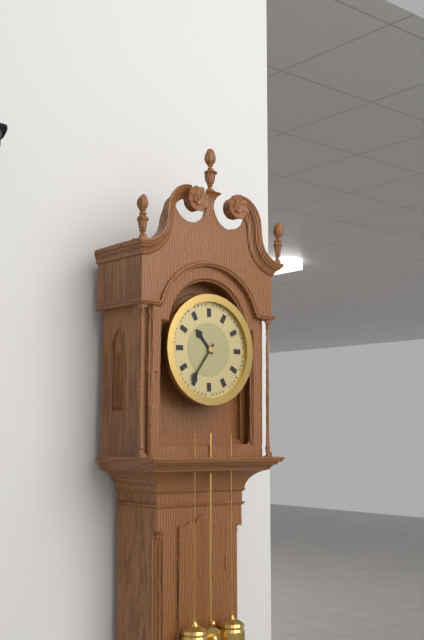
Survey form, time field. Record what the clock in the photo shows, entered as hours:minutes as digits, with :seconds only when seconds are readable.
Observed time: 10:36
